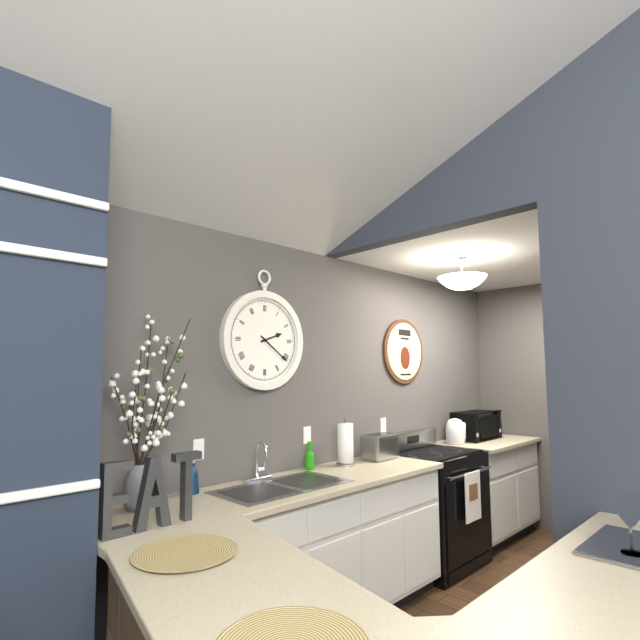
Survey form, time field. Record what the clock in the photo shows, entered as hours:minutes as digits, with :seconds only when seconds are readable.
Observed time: 2:21
